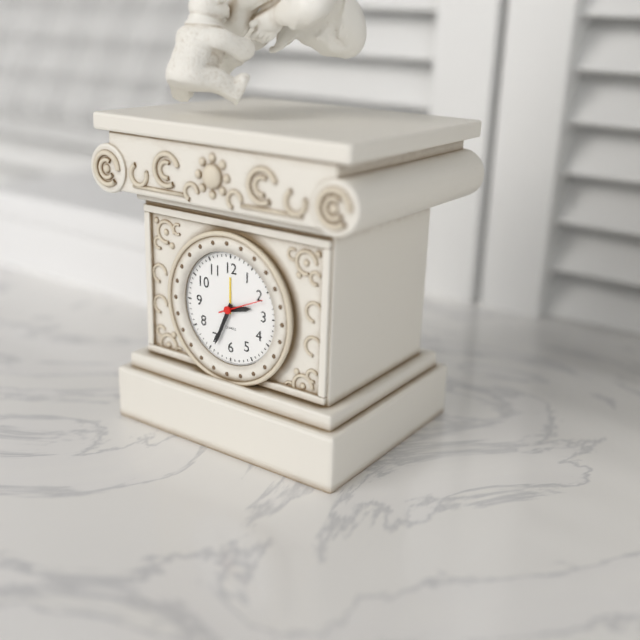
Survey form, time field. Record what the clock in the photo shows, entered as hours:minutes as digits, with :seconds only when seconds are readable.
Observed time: 2:34
